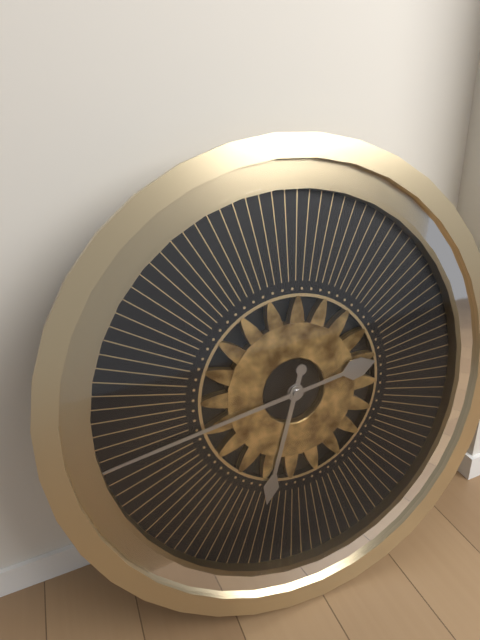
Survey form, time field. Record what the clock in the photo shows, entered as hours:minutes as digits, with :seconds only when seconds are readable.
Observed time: 6:44
